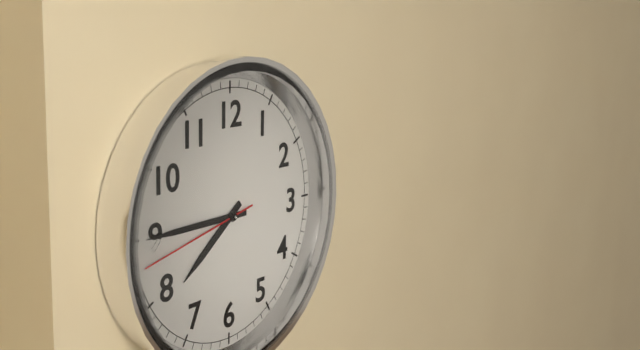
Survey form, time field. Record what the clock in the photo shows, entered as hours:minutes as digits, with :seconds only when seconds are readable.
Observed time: 7:45:43
